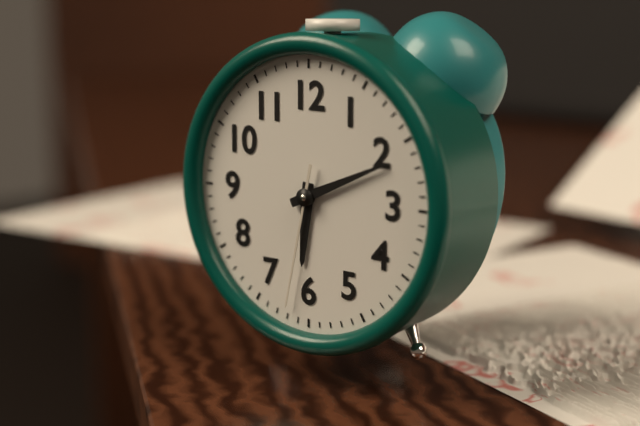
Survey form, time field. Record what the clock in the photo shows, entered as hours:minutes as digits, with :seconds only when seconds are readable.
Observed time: 6:11:32
